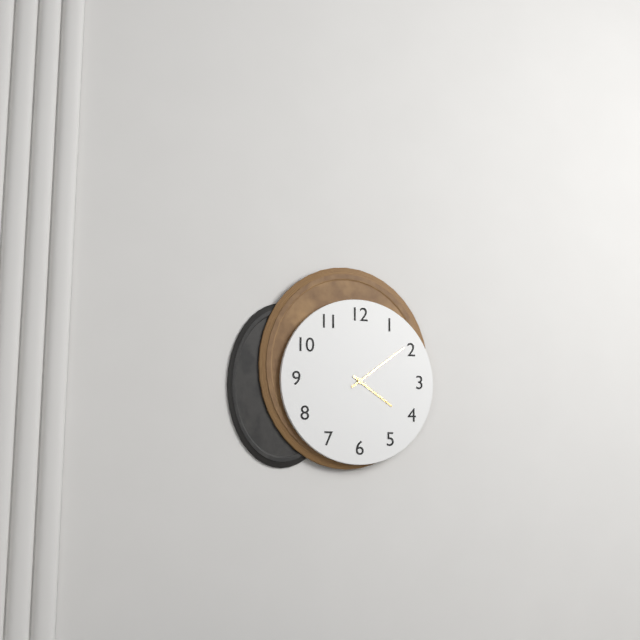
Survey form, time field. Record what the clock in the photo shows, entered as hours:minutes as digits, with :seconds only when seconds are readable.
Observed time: 4:09
